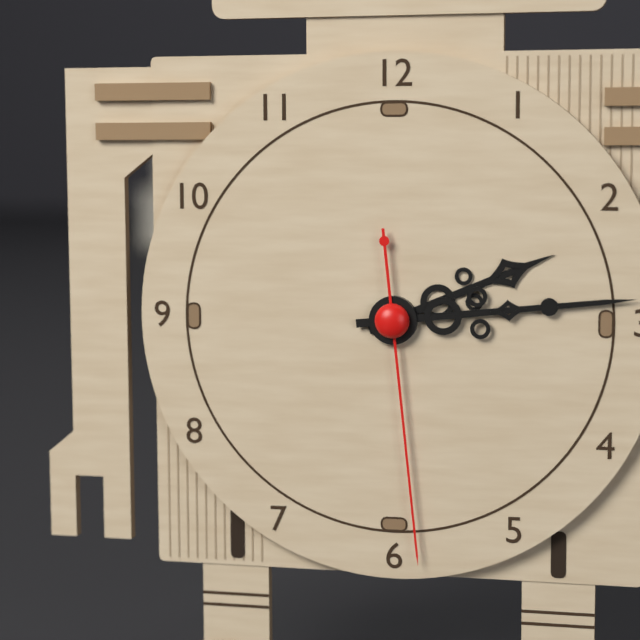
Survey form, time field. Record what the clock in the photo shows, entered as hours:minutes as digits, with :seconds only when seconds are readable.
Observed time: 2:14:29
